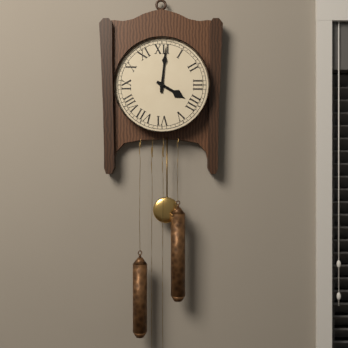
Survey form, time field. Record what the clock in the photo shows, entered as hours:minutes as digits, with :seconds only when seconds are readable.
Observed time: 4:01
